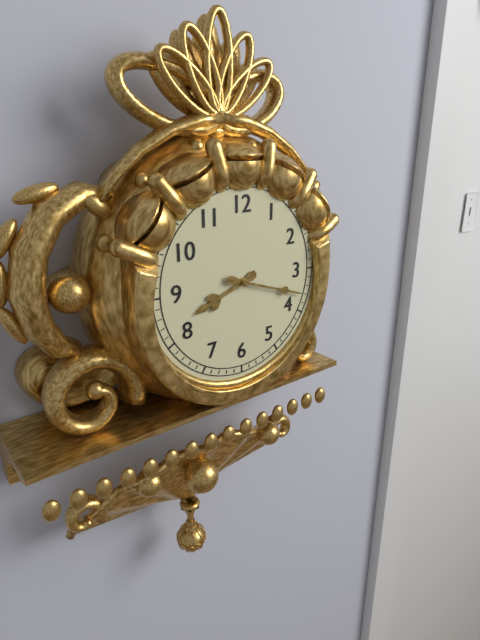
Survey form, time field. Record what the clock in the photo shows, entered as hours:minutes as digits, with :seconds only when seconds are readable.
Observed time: 8:18
